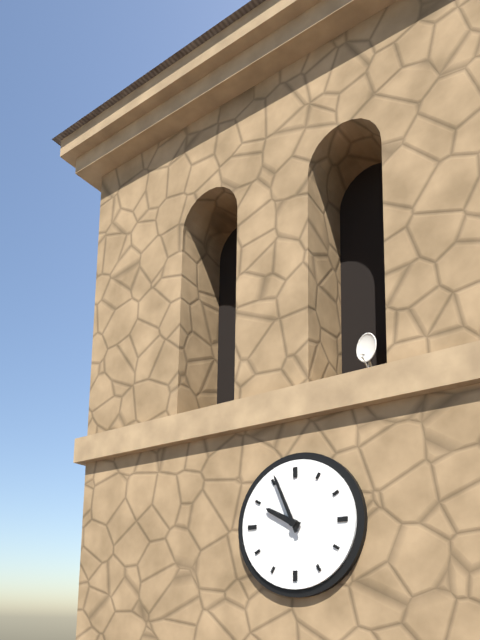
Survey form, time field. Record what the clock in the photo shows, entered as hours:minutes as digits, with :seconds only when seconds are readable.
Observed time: 9:56
